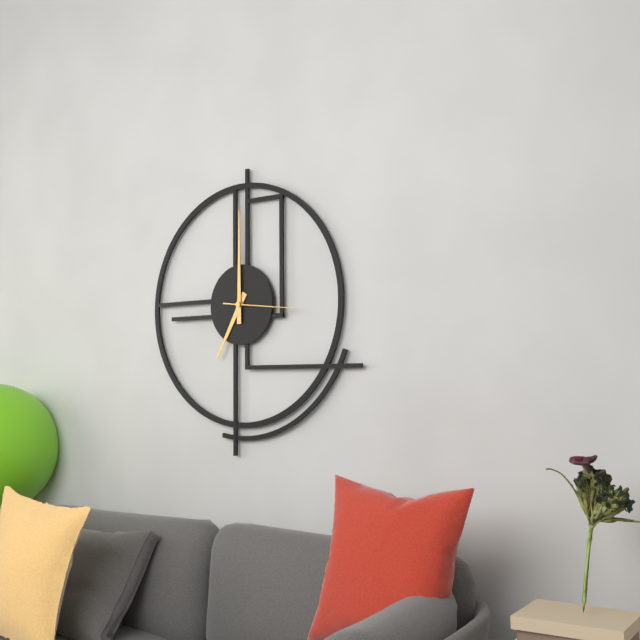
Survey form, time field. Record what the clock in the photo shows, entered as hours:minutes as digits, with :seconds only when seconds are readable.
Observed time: 7:00:16
